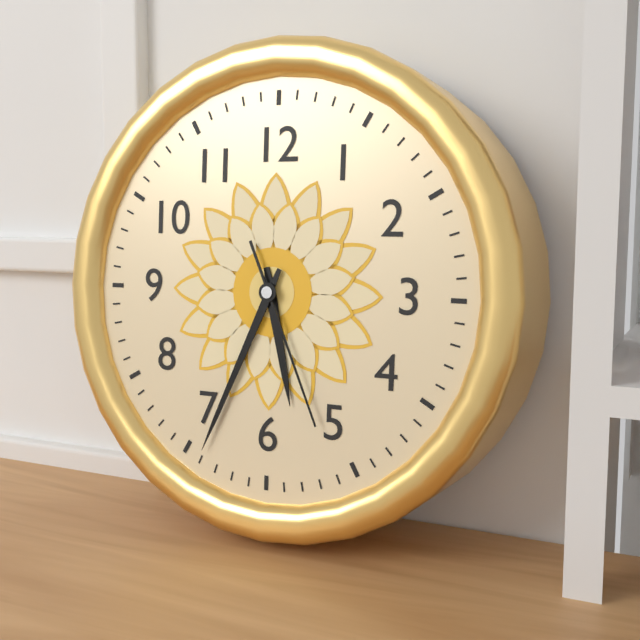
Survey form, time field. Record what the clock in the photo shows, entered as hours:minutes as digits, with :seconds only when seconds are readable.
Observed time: 5:34:26
